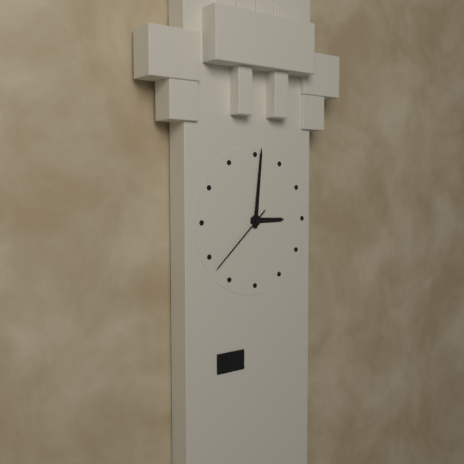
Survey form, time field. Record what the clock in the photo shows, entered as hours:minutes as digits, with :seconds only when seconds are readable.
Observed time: 3:01:38
